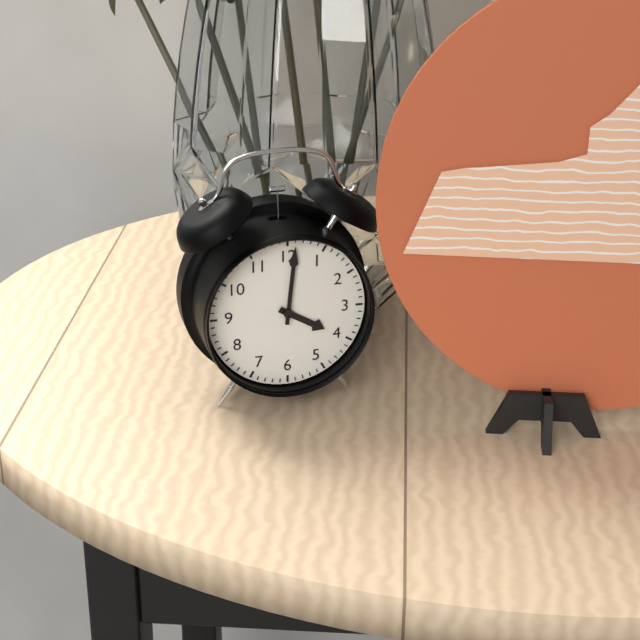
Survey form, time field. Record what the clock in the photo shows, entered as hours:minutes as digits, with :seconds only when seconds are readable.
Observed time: 4:01
